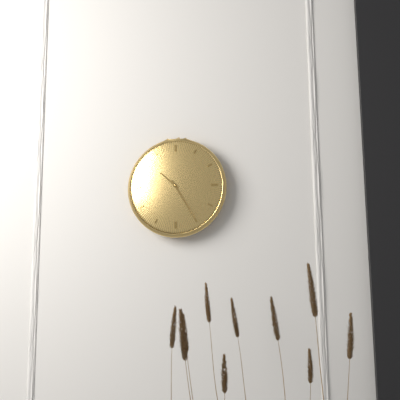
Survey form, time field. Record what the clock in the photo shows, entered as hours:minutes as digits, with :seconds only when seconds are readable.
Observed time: 10:25
